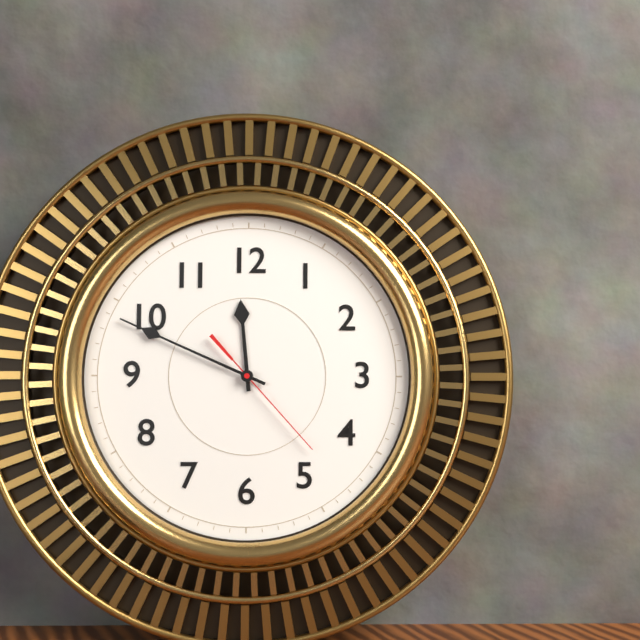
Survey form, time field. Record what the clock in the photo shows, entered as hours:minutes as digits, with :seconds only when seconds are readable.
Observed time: 11:49:23
